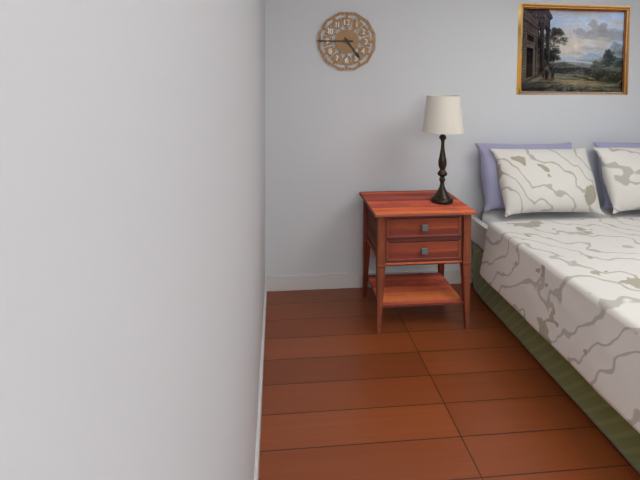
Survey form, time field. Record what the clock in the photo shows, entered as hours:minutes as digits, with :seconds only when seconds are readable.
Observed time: 4:45
